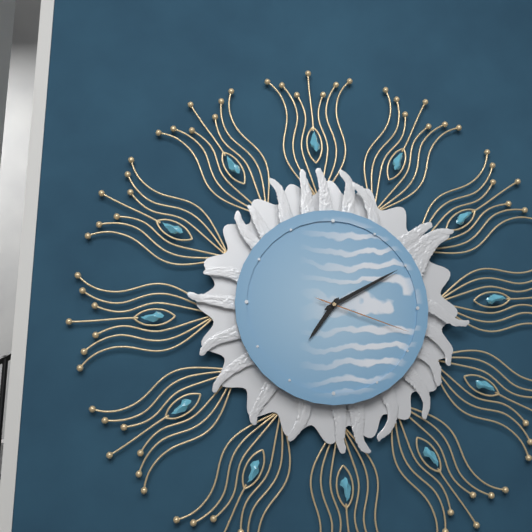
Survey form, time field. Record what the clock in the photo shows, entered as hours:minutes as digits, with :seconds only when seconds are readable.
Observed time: 7:10:18
